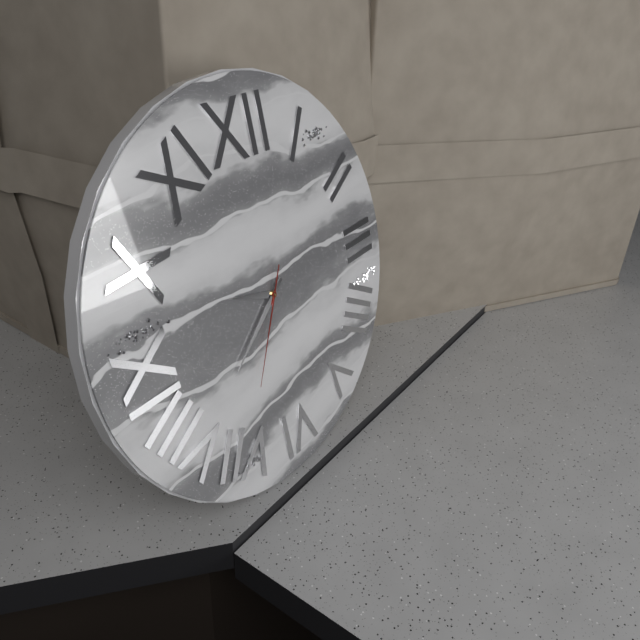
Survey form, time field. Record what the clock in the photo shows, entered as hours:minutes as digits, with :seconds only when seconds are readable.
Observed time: 9:39:35
